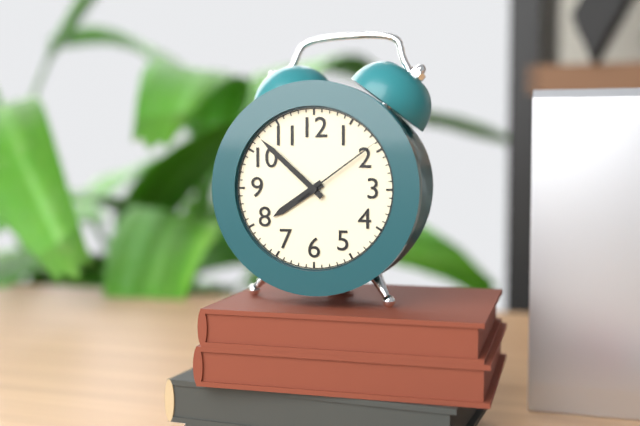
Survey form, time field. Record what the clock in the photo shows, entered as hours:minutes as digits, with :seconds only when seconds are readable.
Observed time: 7:52:09
